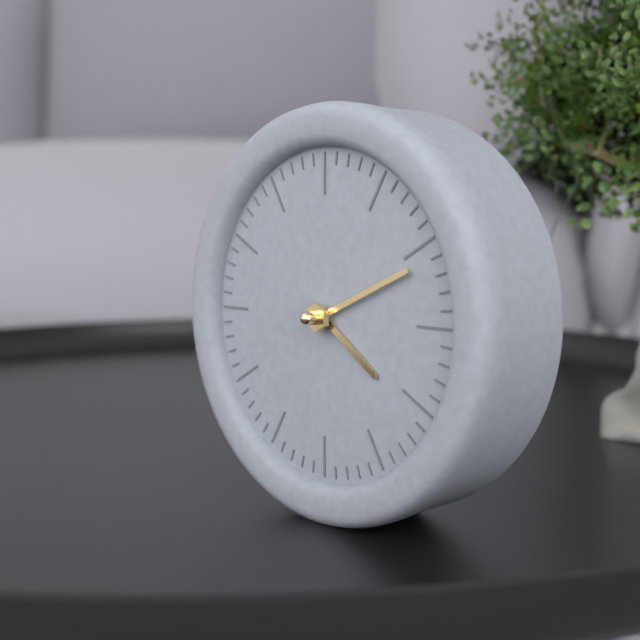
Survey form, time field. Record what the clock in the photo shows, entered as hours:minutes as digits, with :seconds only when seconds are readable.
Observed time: 4:11
